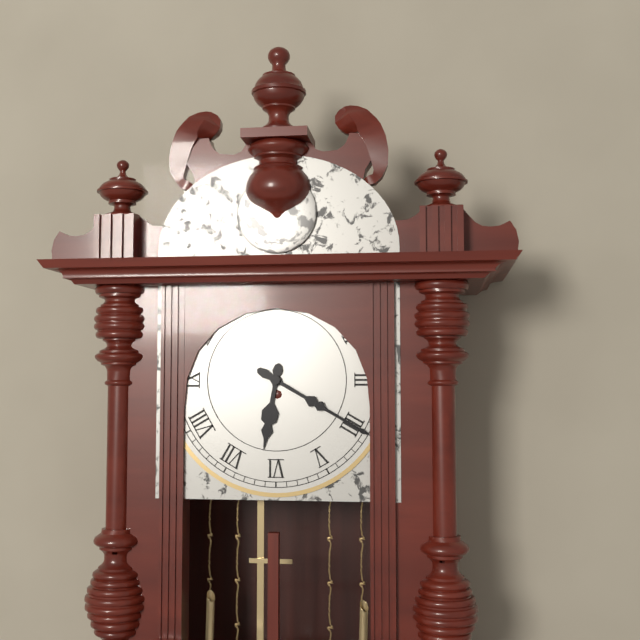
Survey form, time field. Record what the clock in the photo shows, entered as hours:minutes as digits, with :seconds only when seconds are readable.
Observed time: 6:20
